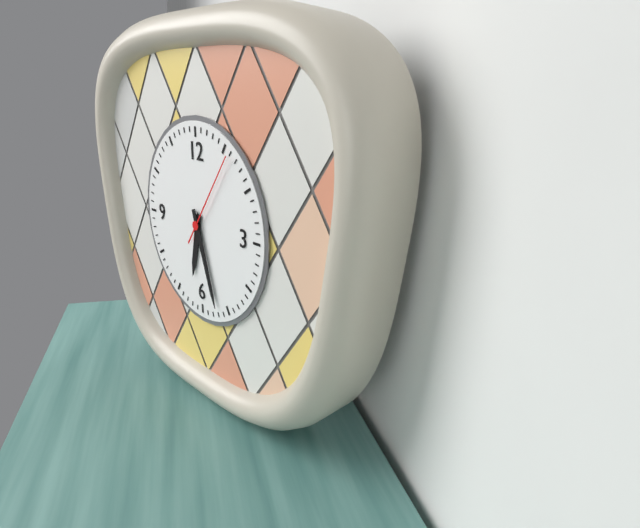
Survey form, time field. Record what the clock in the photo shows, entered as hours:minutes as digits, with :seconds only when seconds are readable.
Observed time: 6:27:06
